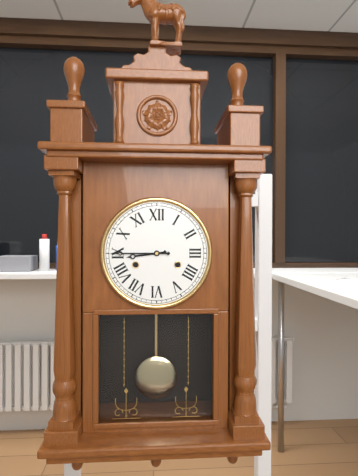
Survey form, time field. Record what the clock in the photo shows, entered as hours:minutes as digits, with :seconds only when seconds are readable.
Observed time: 8:45
